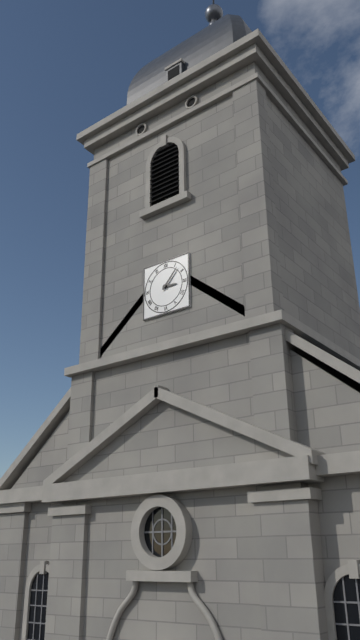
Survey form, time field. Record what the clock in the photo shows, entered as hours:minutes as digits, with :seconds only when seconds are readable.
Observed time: 3:07
